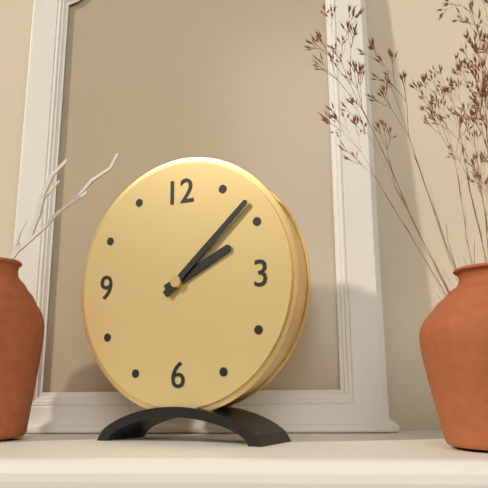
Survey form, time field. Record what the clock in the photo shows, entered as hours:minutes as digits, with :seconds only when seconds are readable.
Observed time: 2:08
